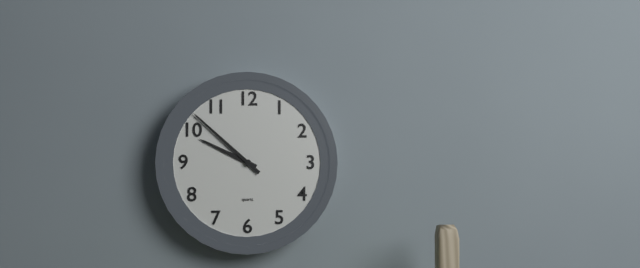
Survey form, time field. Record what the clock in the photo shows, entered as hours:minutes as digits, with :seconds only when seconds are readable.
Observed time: 9:52
